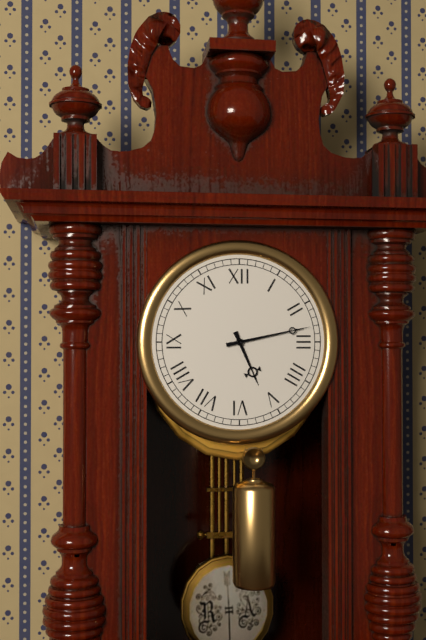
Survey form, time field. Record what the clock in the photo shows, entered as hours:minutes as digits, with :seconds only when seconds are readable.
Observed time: 5:13
